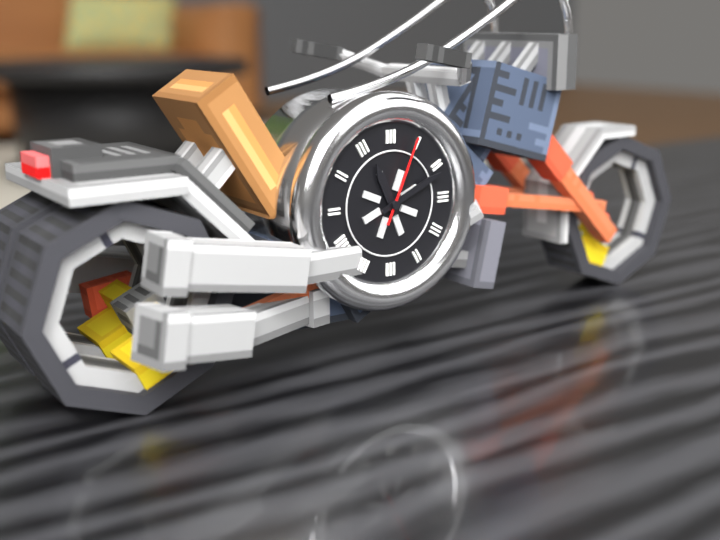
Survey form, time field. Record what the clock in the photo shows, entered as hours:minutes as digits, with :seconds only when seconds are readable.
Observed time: 11:11:04
